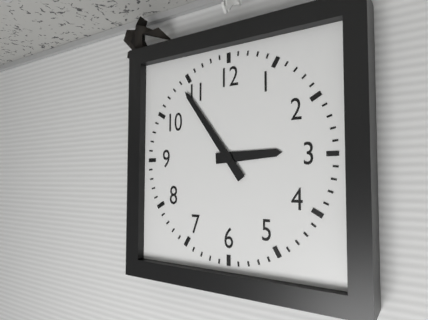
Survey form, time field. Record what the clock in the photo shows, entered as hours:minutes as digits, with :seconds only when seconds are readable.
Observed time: 2:54
